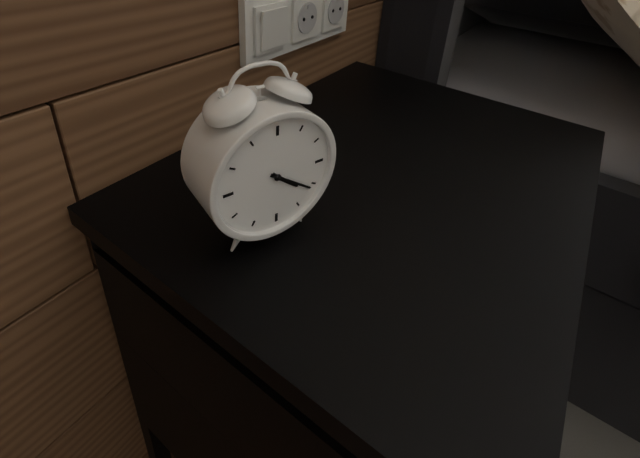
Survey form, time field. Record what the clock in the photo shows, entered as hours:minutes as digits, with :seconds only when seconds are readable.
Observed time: 4:21
